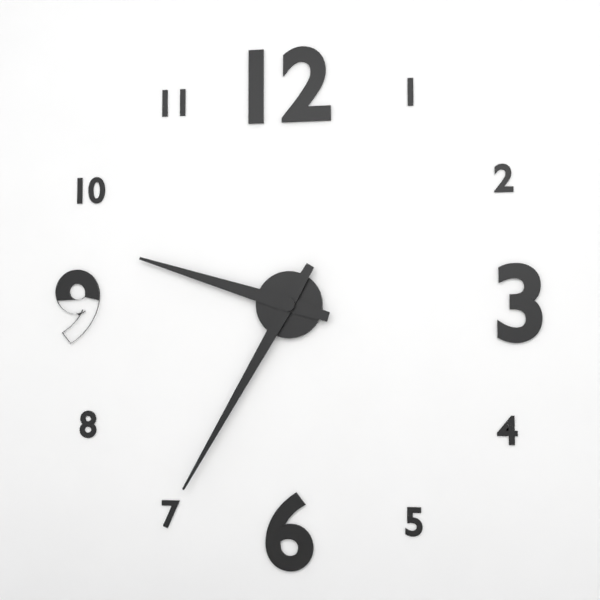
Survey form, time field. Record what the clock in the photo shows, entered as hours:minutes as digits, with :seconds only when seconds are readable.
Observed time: 9:35
